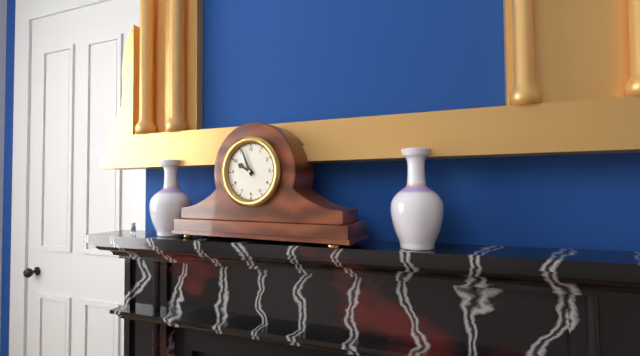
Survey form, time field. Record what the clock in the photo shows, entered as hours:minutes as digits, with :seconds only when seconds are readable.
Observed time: 9:56
